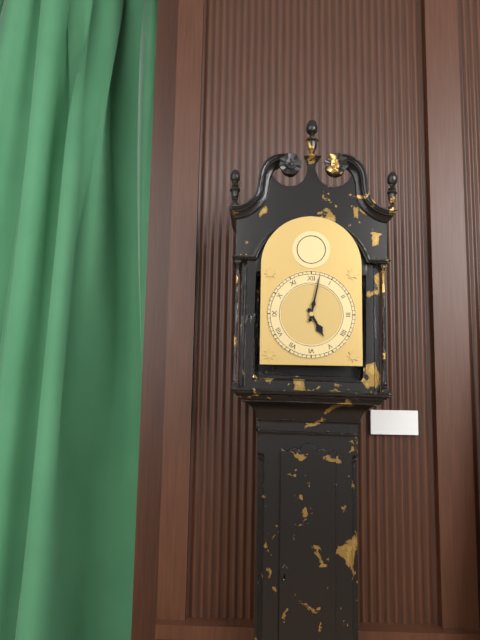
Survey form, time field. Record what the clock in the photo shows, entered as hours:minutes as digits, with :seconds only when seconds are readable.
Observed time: 5:02
